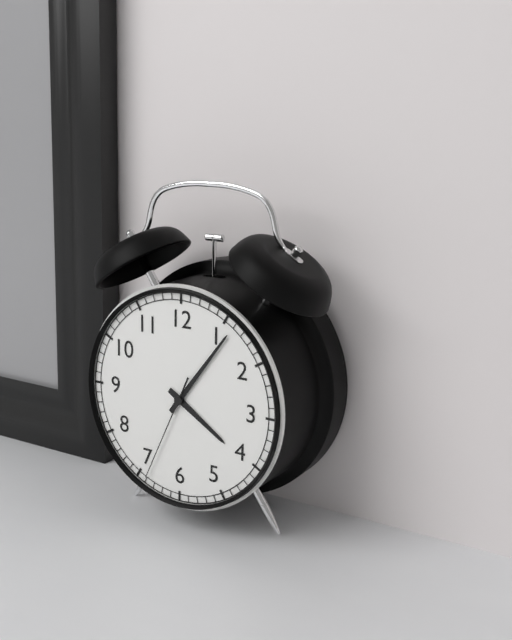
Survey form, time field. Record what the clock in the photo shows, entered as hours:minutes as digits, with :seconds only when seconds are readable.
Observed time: 4:06:34
